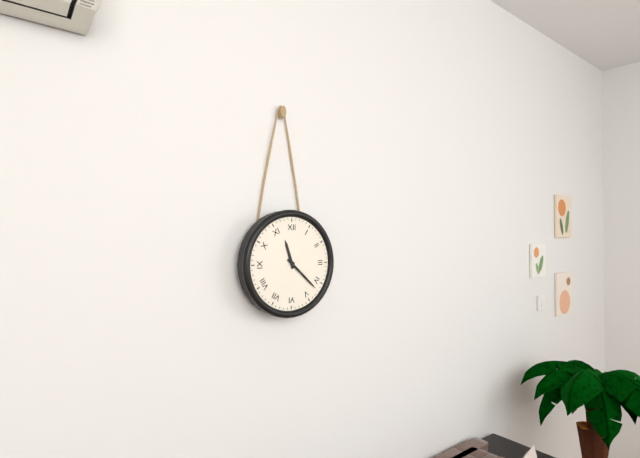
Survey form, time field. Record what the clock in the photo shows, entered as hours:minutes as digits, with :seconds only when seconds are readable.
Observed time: 11:22
